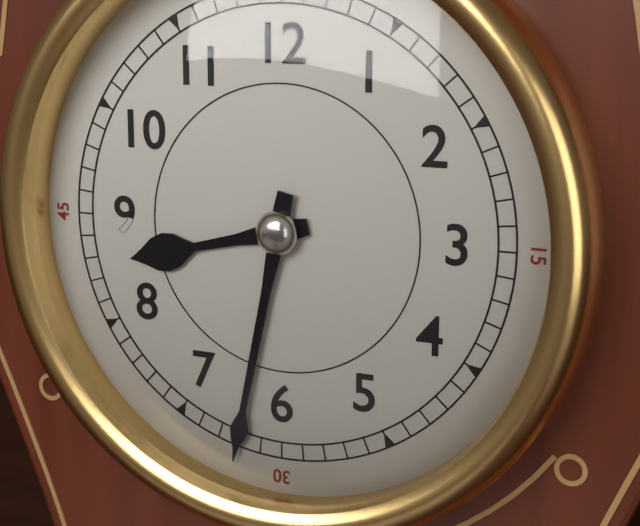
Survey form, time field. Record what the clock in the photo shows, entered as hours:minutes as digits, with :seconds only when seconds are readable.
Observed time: 8:32
